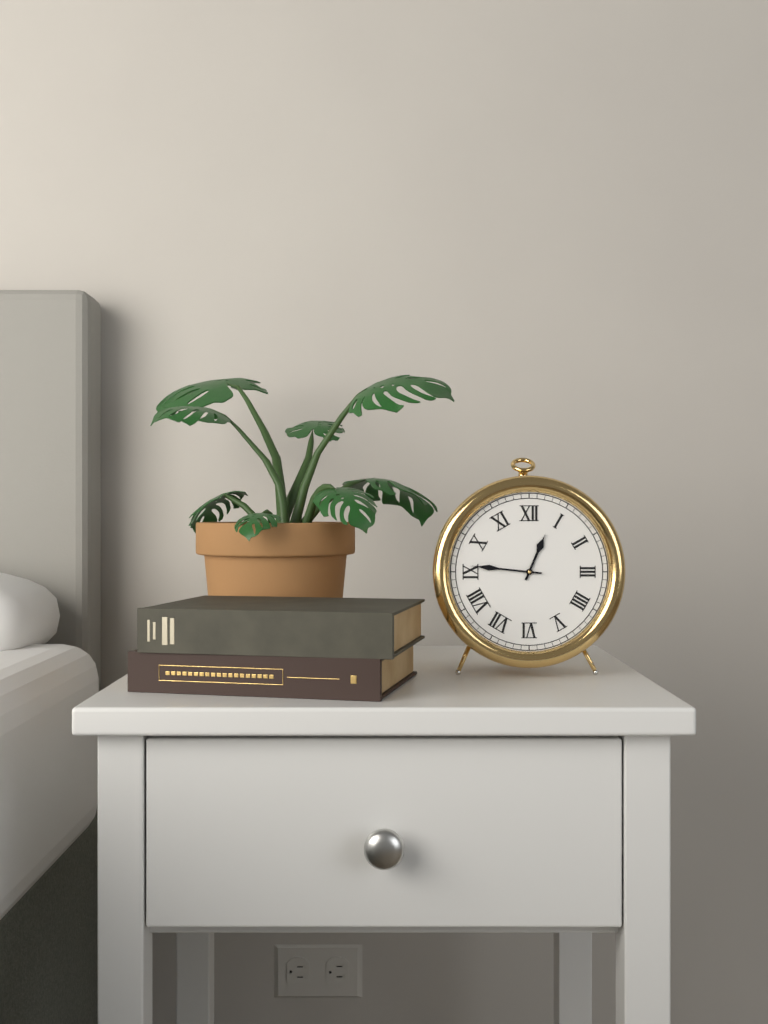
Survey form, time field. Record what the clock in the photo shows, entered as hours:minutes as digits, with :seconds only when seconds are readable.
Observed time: 12:46
